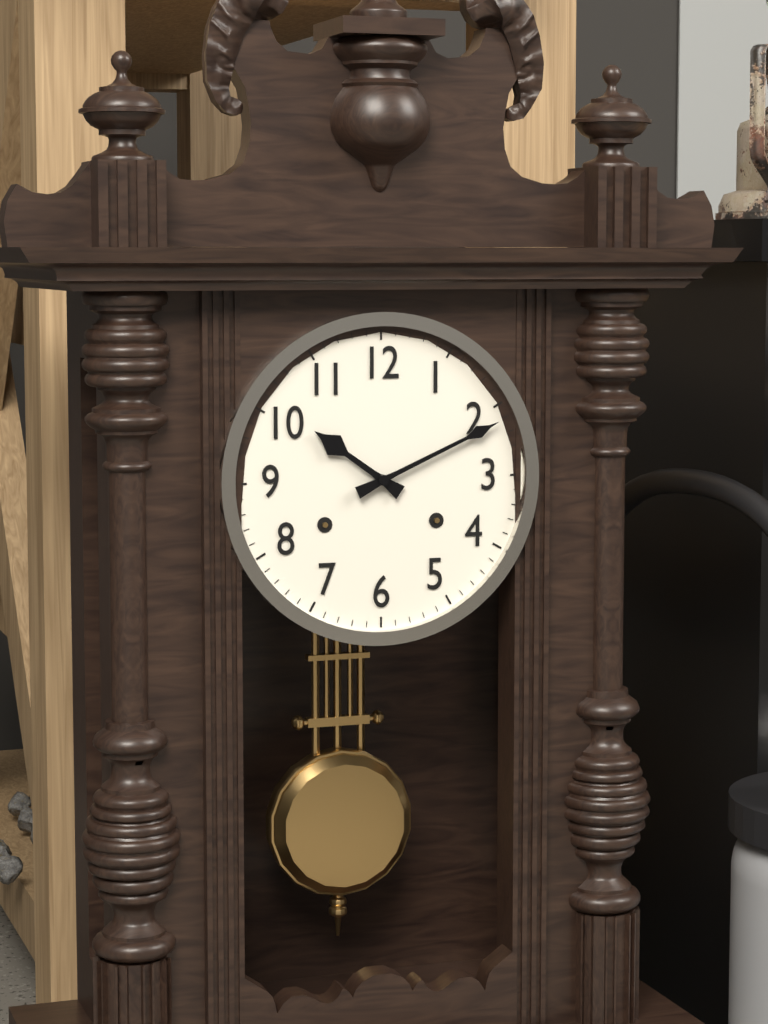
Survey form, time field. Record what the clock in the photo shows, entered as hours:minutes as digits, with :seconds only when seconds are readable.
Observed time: 10:11
